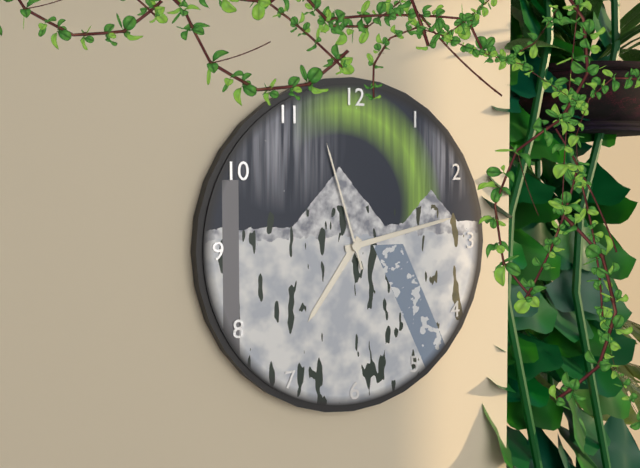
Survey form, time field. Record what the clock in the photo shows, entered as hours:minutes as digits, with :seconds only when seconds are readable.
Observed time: 7:13:57
